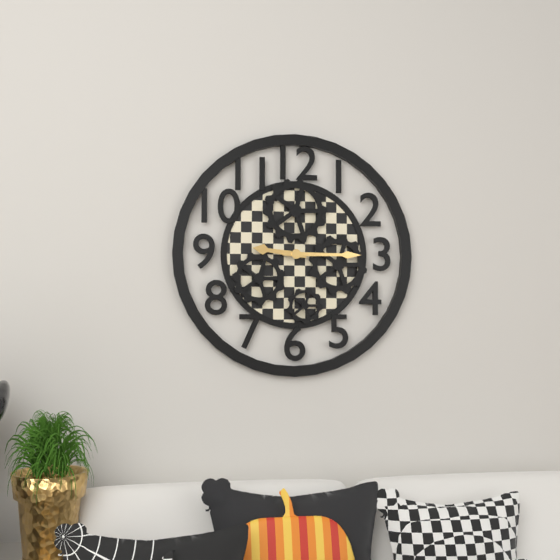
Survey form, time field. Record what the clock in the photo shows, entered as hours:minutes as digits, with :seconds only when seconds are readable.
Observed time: 9:15
